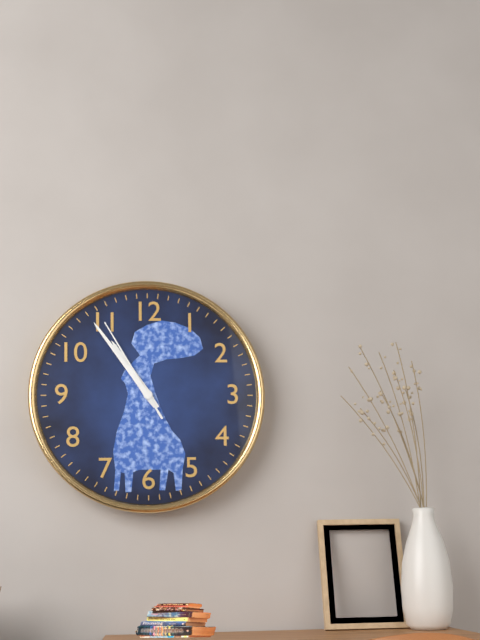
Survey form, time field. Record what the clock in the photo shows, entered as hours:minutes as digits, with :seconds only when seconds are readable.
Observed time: 10:54:55
